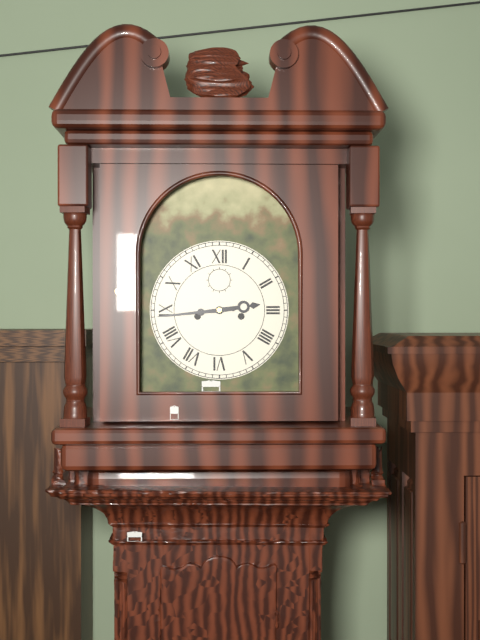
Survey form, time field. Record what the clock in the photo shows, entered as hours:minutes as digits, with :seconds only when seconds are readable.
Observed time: 2:44
